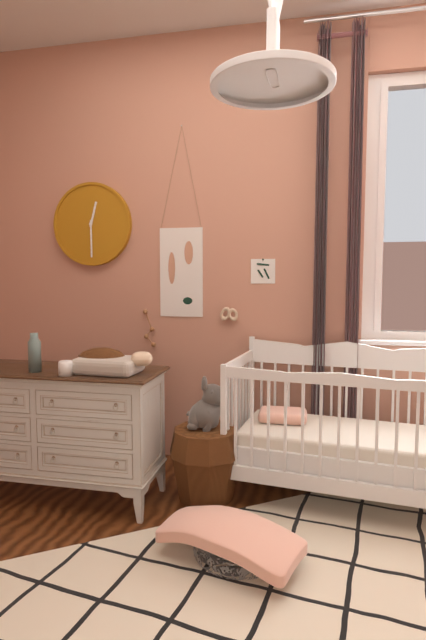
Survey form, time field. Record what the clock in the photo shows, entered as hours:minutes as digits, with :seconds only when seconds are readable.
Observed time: 12:30
